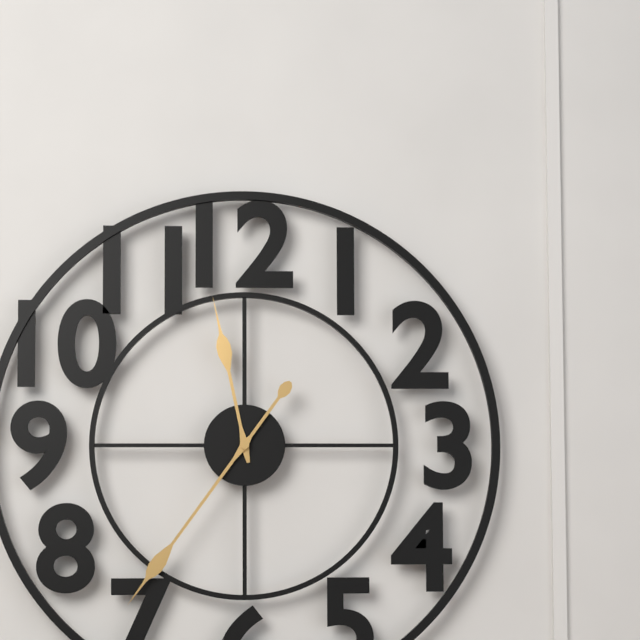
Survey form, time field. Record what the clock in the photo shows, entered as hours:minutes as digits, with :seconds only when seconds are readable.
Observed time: 11:36
